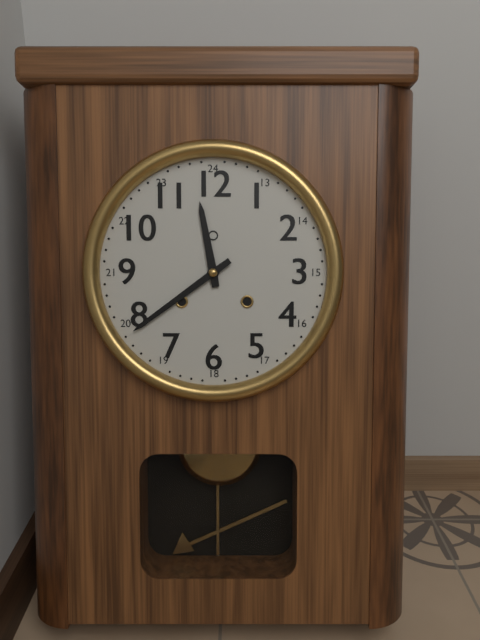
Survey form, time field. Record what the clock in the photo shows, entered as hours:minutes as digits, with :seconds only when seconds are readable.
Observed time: 11:39
